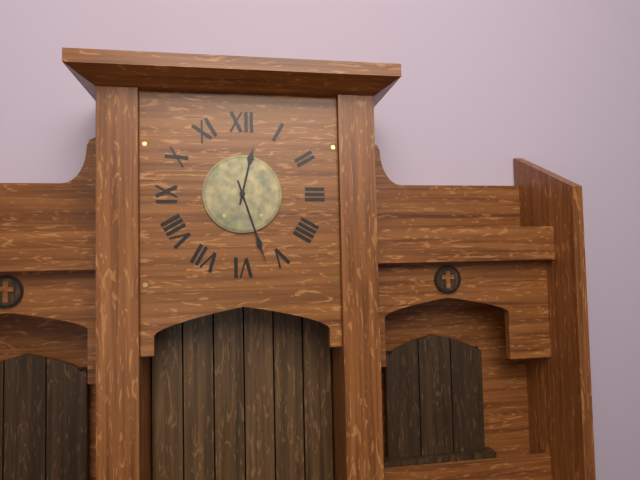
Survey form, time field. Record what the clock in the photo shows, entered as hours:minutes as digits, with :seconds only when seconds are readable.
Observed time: 12:27
